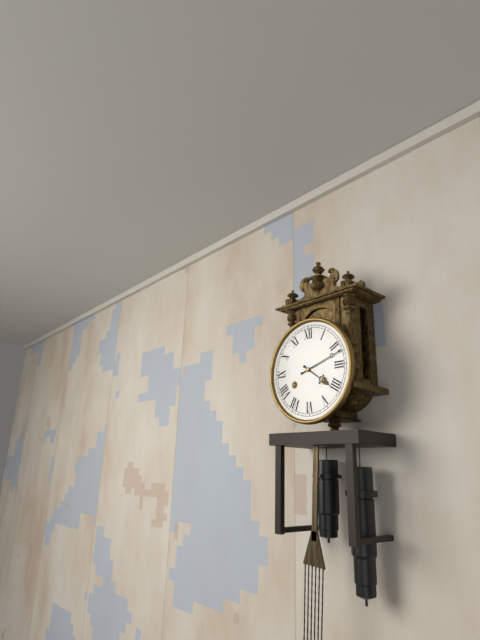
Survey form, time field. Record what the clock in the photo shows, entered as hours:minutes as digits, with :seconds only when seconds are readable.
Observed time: 4:12
